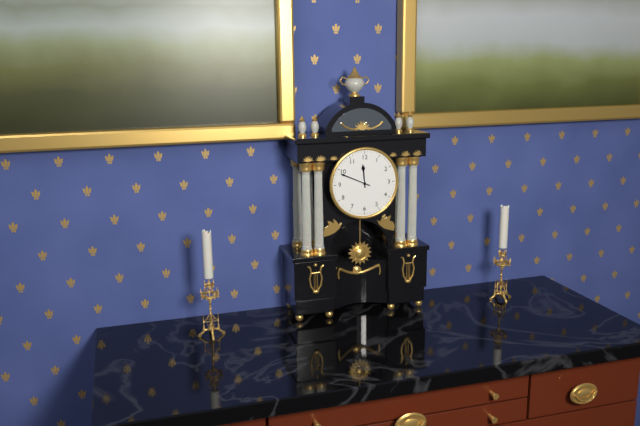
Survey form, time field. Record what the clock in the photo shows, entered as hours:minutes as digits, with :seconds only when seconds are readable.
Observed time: 11:49
